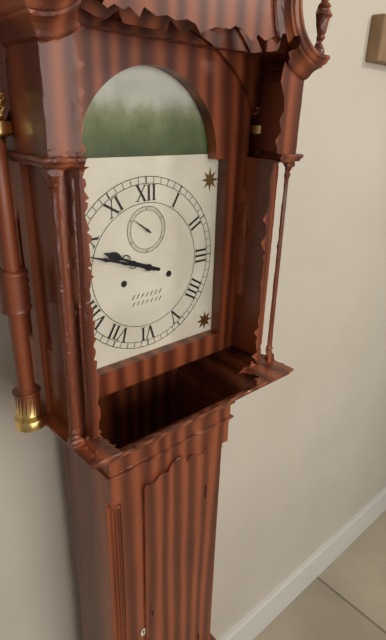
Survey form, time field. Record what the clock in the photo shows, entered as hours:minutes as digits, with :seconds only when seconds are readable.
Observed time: 9:48
